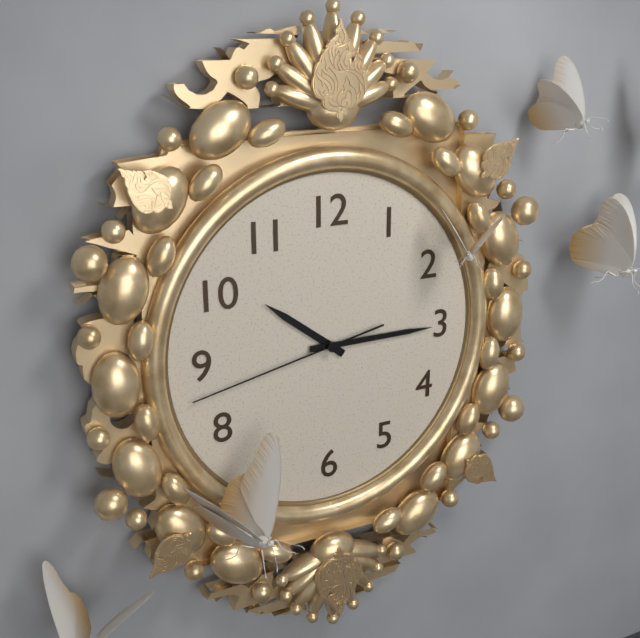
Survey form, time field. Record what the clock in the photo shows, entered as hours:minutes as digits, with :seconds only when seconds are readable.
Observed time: 10:15:43
